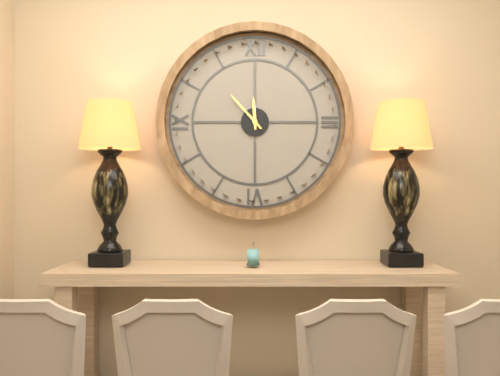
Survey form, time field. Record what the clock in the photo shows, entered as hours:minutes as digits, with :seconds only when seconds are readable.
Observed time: 11:53
